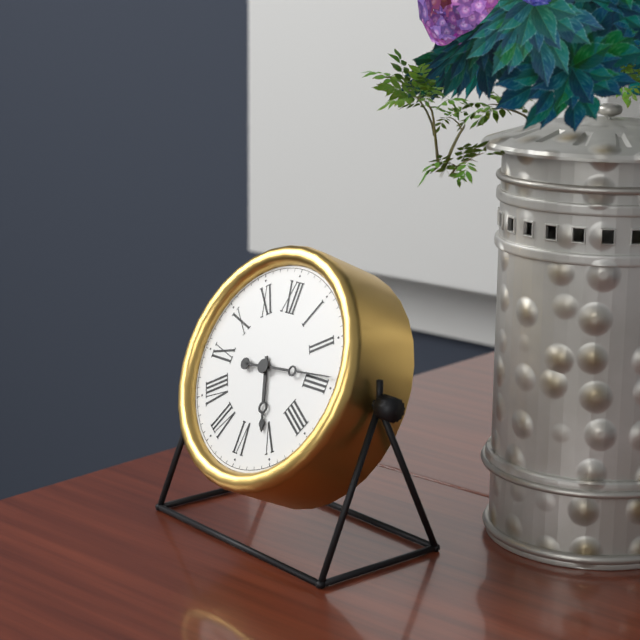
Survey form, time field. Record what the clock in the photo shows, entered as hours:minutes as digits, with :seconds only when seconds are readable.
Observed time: 5:14
